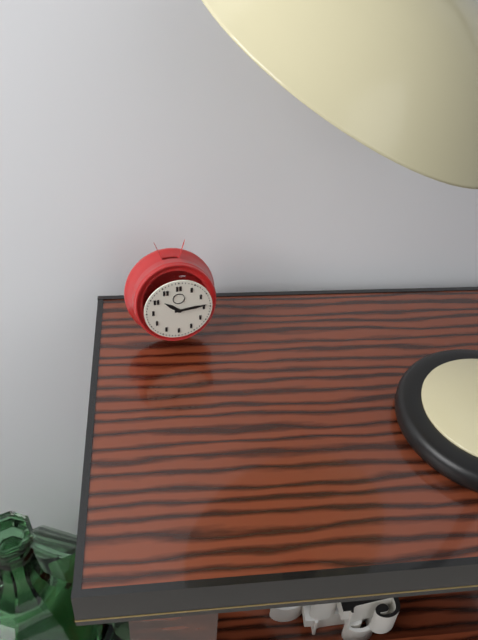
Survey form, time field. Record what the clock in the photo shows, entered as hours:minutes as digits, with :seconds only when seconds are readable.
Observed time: 10:14
